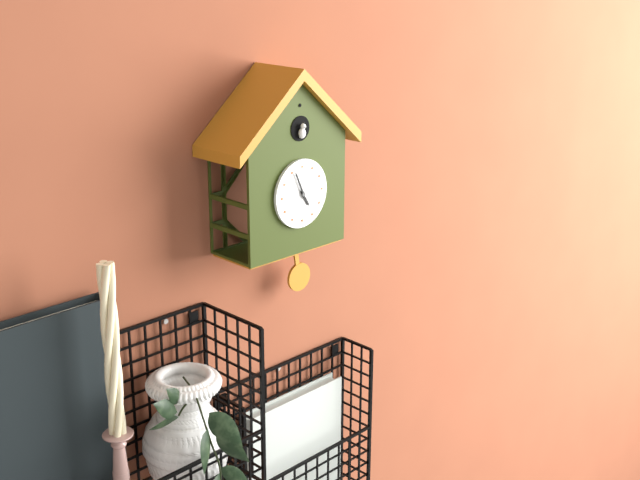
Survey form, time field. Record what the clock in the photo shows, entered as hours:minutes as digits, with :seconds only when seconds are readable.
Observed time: 4:56
